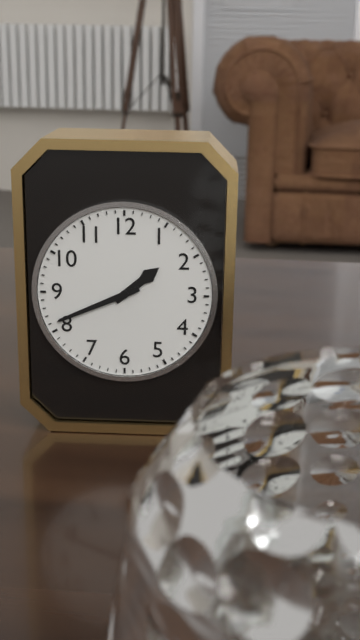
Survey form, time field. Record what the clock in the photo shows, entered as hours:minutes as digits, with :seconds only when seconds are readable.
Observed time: 1:41
